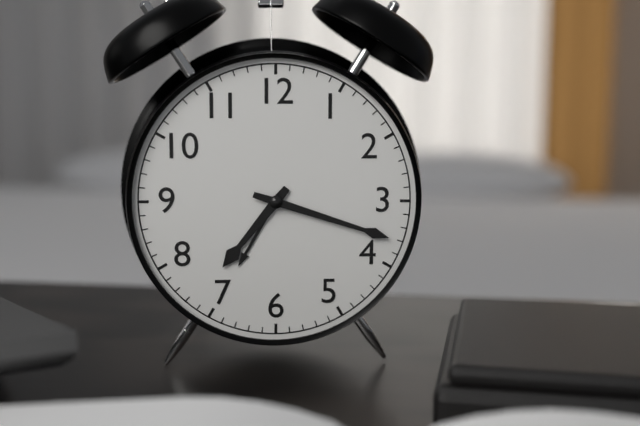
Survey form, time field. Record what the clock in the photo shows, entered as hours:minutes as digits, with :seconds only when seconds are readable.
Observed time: 7:18
